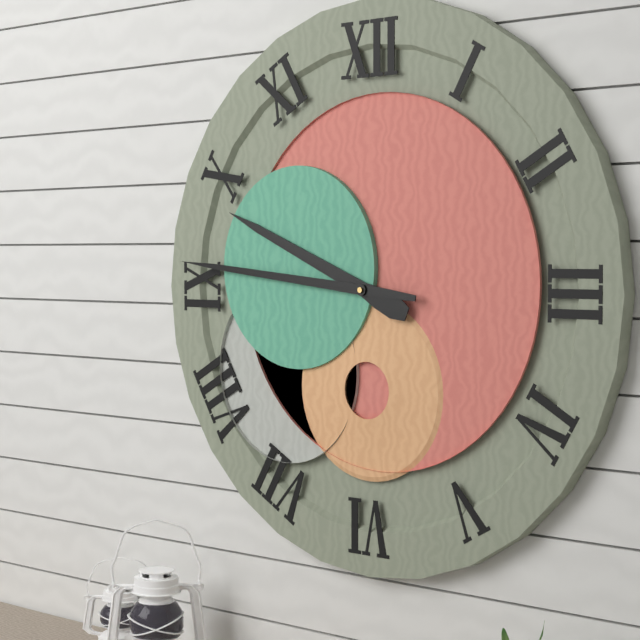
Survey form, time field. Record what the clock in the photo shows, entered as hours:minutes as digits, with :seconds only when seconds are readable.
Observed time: 9:46
